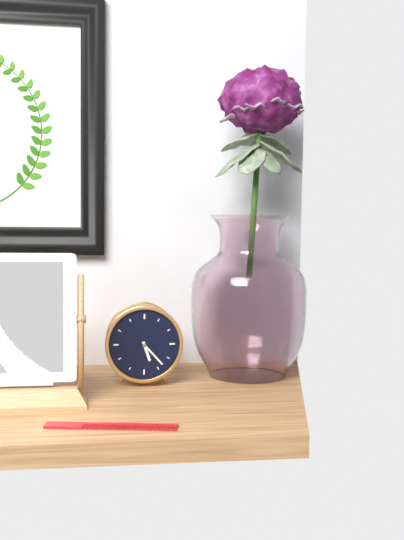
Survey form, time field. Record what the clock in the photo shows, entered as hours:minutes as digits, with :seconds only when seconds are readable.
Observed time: 5:23
